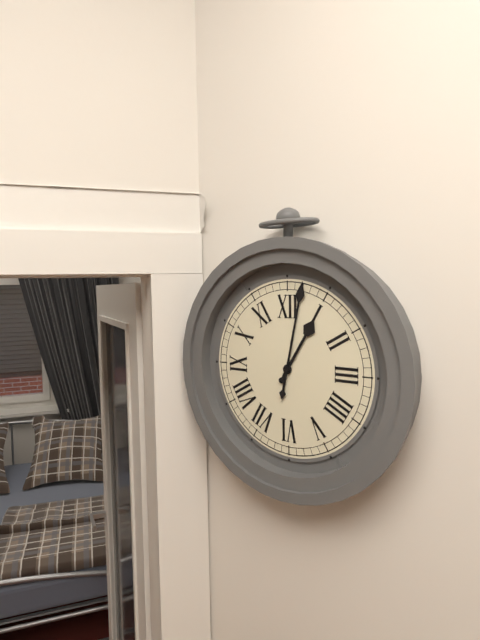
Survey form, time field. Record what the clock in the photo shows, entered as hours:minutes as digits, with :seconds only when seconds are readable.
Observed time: 1:02
